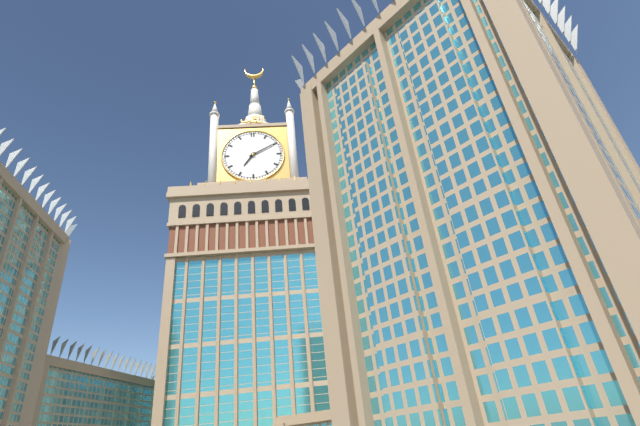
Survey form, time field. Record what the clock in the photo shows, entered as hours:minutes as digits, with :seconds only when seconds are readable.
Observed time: 7:10
